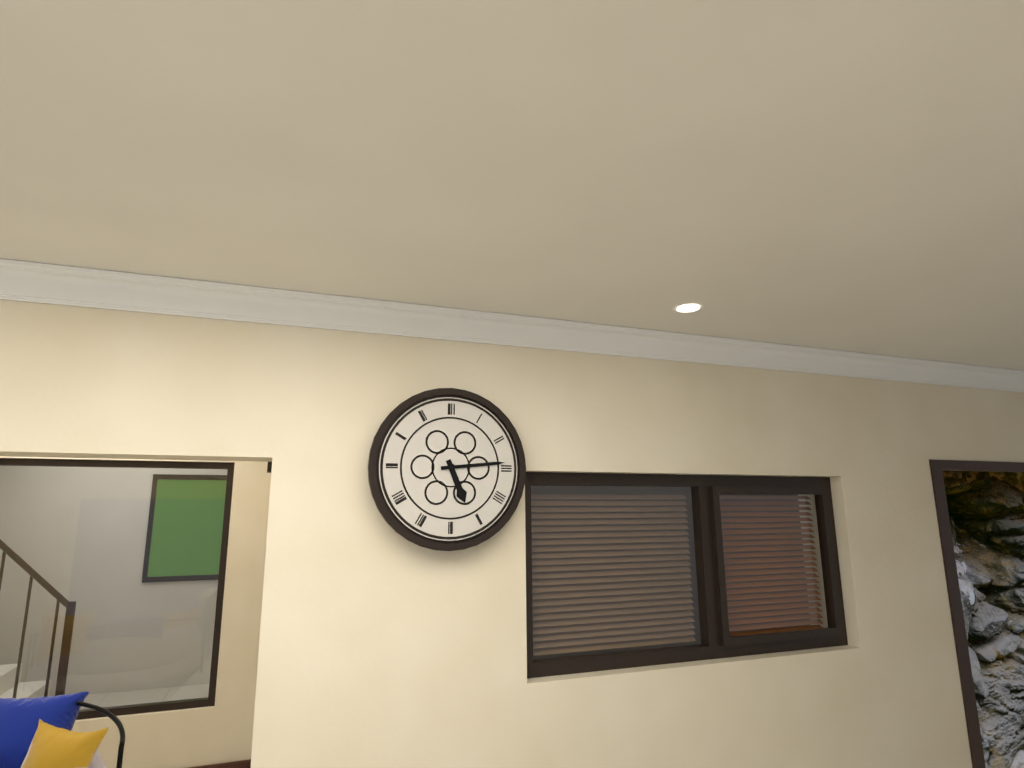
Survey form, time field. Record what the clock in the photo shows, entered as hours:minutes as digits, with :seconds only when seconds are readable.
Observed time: 5:14
